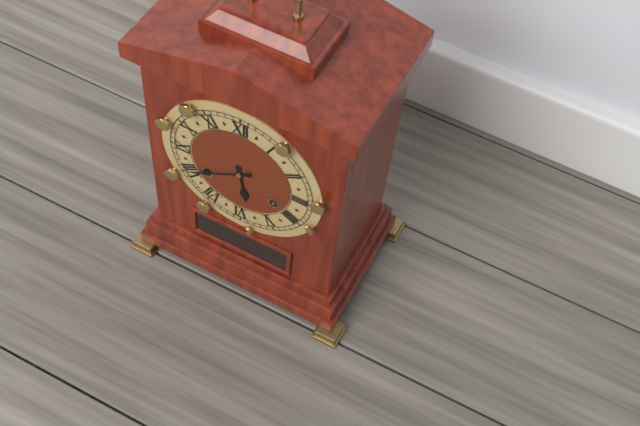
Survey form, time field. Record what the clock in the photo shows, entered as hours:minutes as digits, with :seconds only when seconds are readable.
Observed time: 5:40
